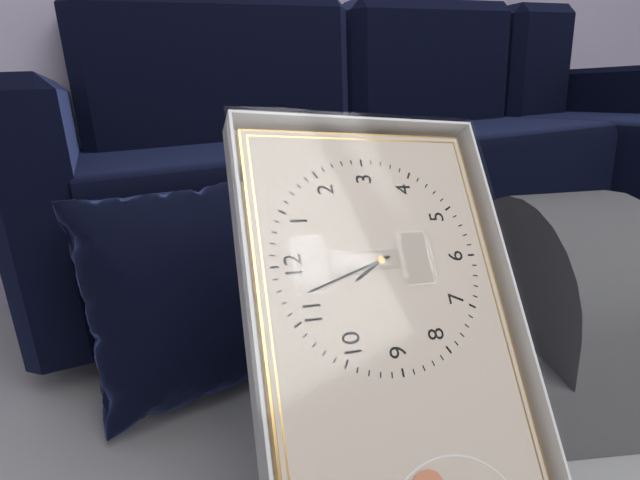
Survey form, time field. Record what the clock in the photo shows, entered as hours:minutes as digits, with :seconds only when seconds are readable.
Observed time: 10:57
